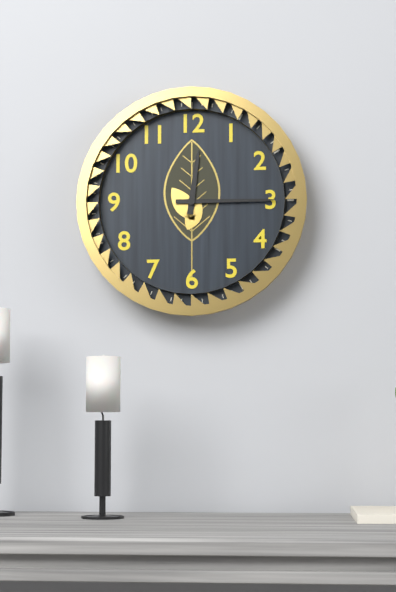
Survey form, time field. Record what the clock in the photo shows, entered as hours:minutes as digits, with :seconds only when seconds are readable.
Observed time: 12:15
